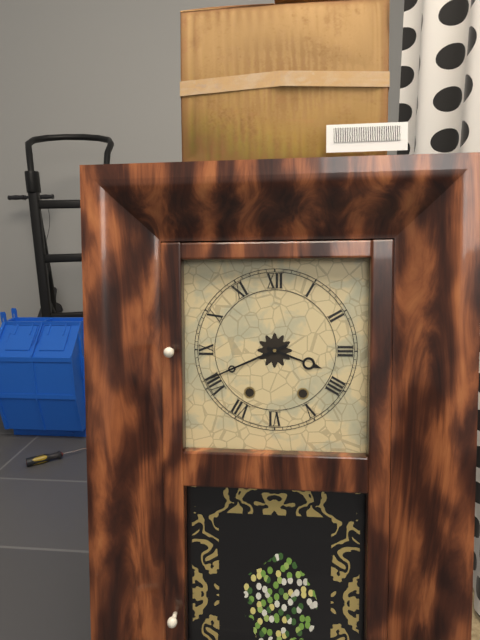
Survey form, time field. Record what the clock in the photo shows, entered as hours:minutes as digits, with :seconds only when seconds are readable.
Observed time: 3:41
